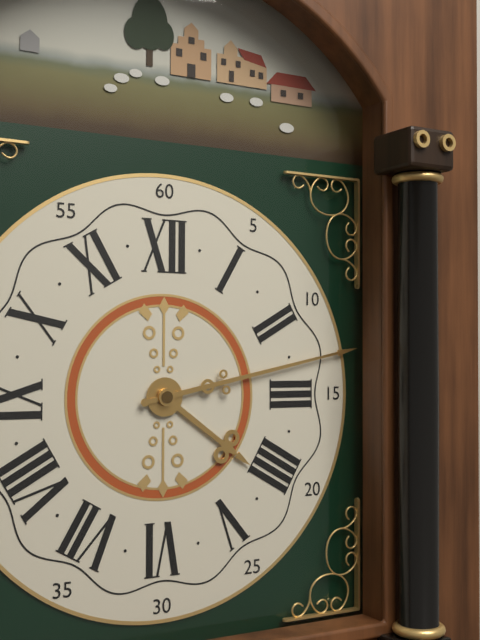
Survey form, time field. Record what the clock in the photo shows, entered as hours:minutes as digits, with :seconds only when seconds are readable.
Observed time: 4:13
